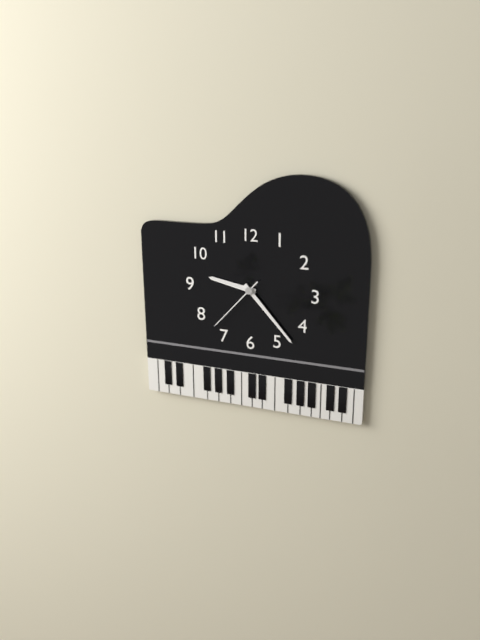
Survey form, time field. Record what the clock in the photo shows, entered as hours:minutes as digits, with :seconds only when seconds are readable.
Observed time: 9:23:37
